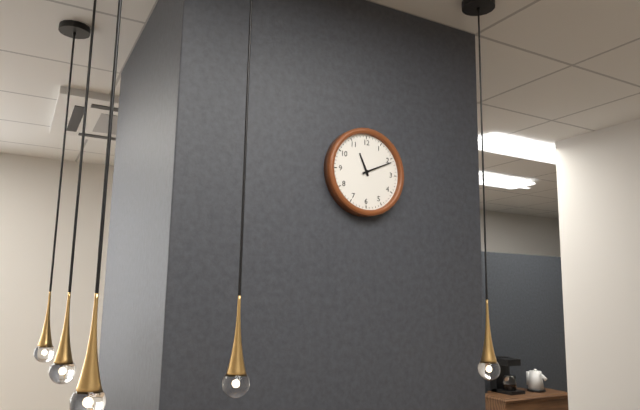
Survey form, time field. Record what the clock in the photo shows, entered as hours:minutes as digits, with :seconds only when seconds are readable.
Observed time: 11:11
